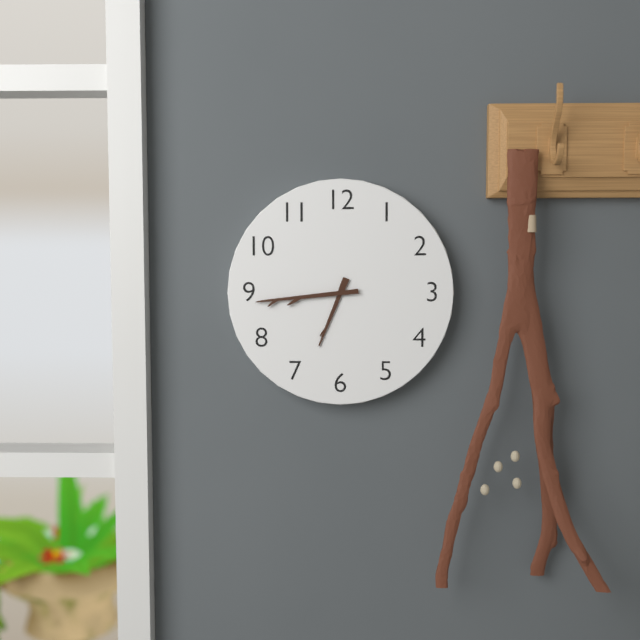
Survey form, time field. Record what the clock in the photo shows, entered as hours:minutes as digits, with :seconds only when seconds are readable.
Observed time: 6:44
